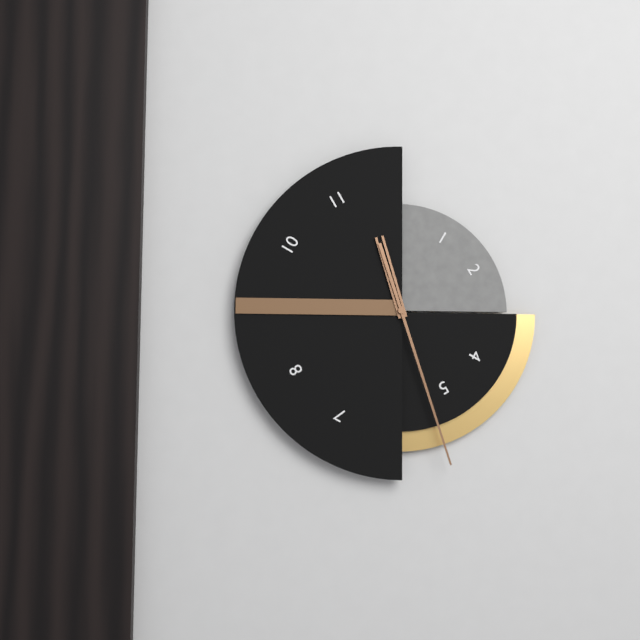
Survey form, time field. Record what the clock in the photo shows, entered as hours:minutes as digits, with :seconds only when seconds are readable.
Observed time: 11:27
